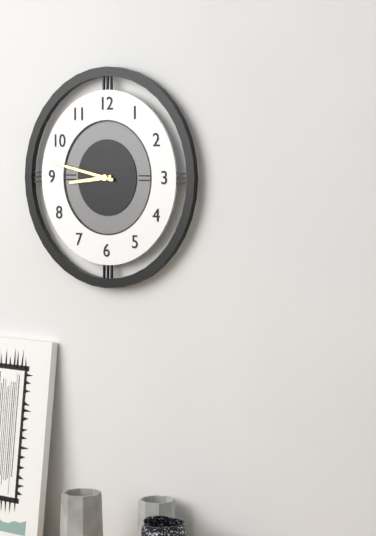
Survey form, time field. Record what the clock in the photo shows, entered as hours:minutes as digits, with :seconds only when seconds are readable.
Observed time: 8:47
